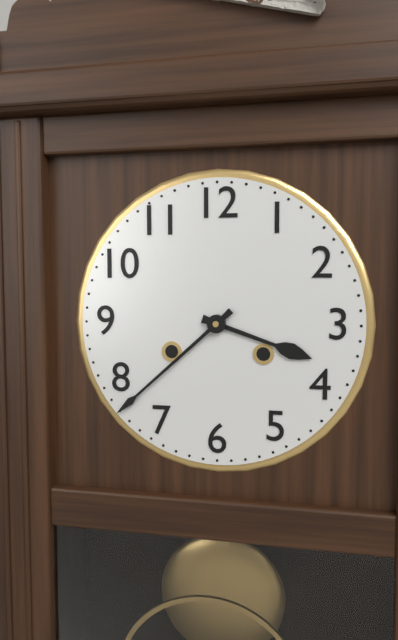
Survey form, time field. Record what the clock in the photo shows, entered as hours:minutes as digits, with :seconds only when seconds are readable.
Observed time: 3:38
